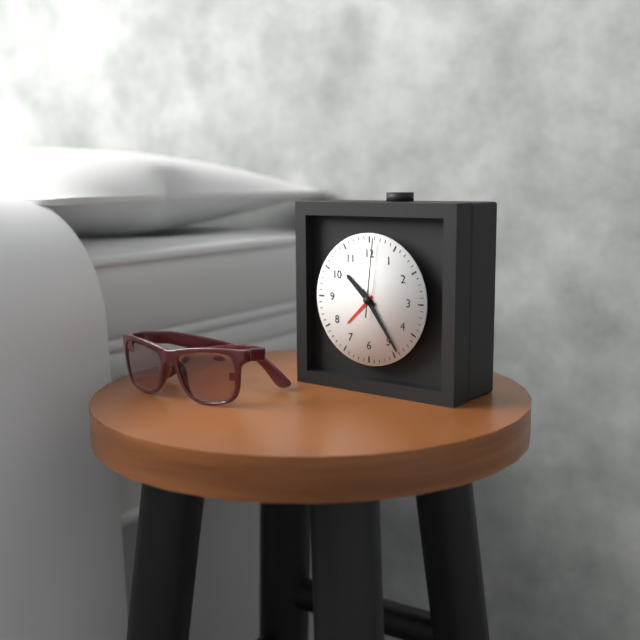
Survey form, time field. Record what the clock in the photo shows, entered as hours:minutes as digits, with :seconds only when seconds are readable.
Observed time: 10:24:01
